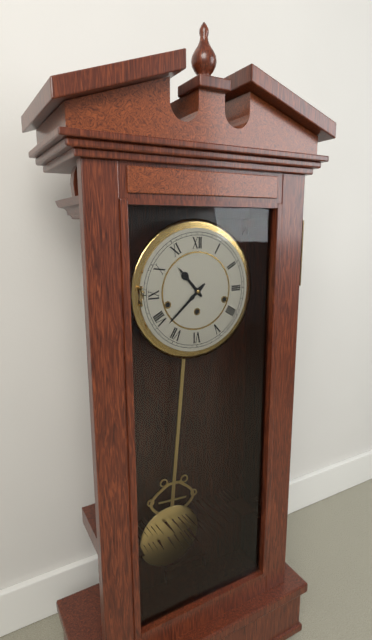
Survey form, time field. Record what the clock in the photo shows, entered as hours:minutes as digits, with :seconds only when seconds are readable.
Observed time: 10:38
